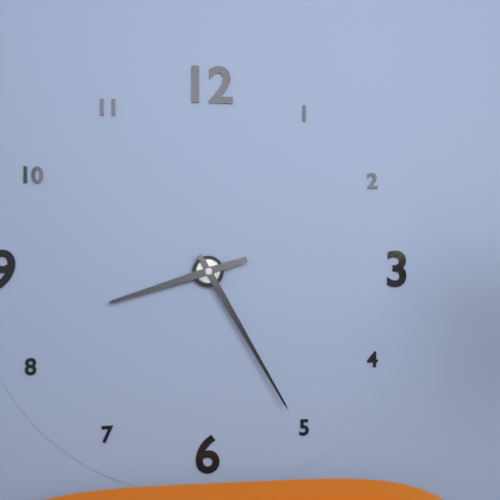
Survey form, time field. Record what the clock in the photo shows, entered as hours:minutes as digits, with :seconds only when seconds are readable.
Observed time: 8:25
